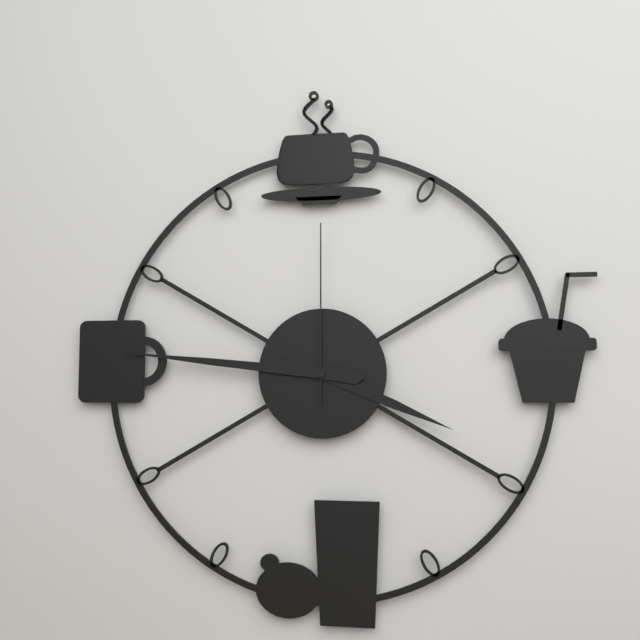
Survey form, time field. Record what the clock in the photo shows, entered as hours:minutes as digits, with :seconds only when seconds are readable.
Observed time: 3:46:00
